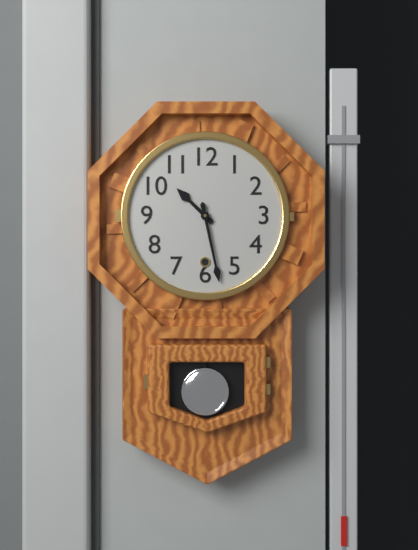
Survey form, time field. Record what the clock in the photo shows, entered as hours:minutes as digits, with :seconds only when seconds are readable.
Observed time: 10:28
